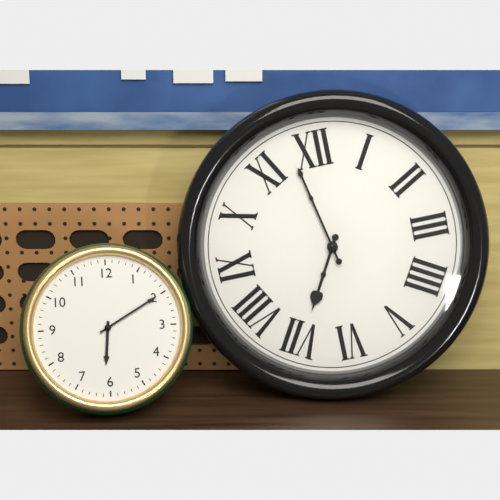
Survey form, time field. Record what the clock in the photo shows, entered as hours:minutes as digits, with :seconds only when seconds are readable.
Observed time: 6:58
